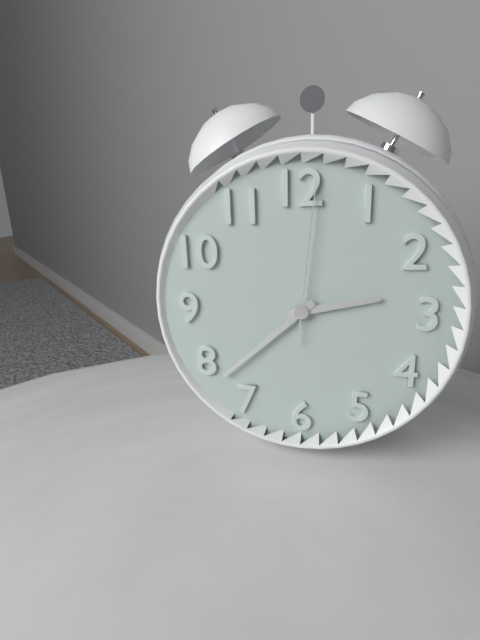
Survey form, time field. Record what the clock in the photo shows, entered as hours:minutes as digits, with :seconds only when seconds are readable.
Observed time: 2:38:01
